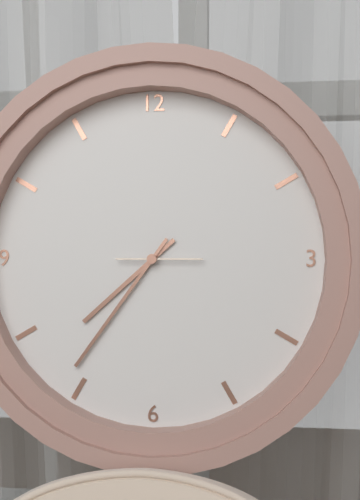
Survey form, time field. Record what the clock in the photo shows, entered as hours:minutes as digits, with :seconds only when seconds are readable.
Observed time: 7:36:15
